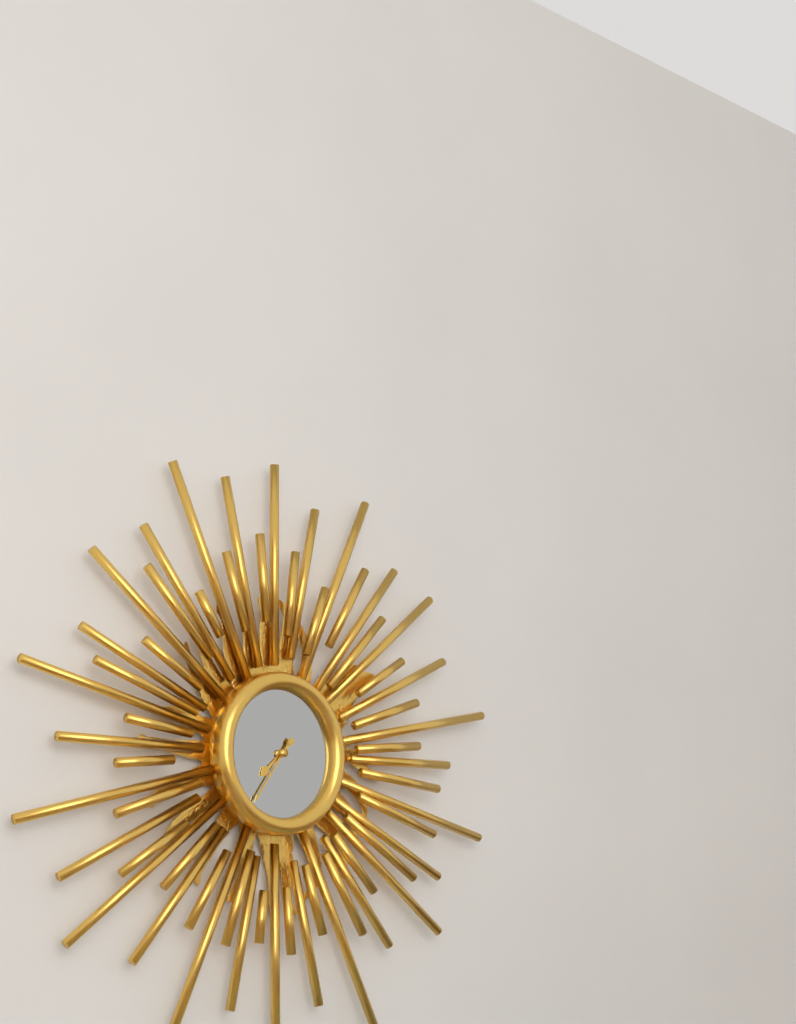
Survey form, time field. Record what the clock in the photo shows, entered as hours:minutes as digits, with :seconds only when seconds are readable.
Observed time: 7:36
